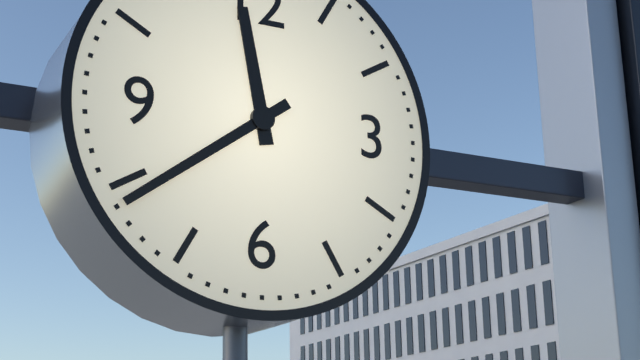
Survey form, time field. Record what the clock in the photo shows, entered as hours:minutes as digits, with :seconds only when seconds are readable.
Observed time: 11:39
